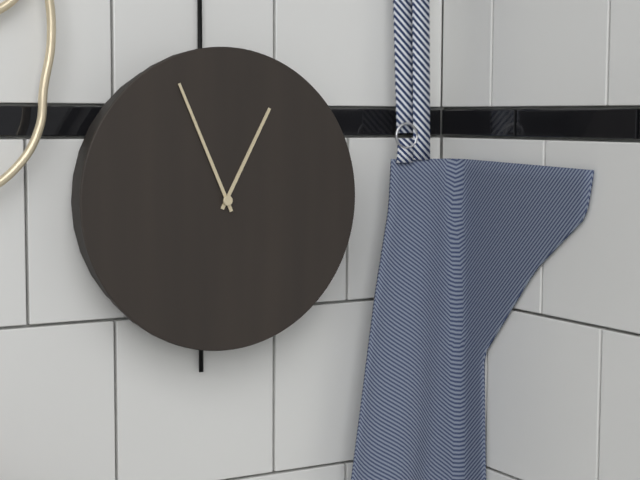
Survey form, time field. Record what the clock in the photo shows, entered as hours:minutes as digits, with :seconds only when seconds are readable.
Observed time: 12:56
